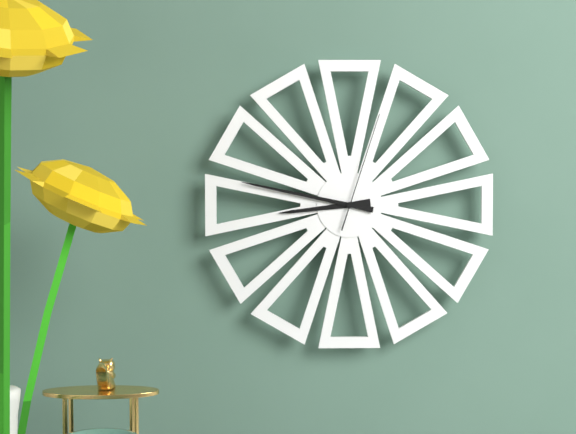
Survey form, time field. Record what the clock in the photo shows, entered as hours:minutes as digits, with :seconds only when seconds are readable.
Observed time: 8:47:03
